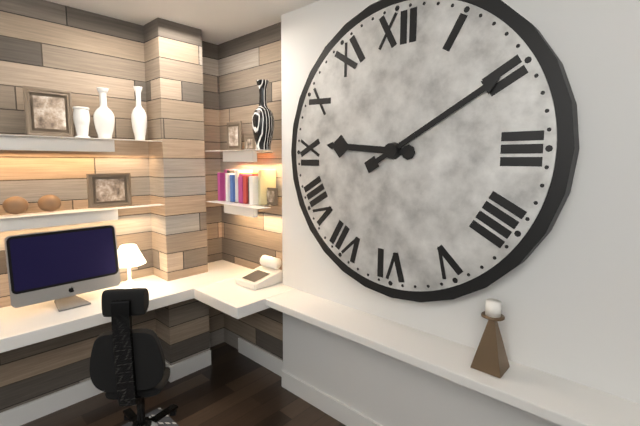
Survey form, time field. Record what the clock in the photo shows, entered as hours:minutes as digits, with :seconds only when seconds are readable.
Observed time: 9:10
